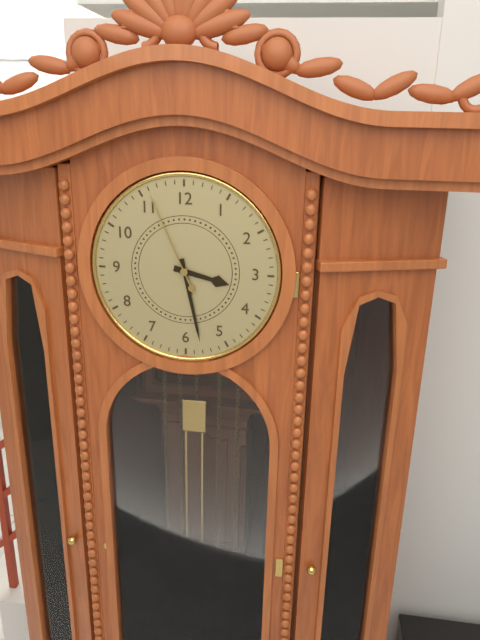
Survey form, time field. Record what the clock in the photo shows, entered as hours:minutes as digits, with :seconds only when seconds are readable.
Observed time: 3:28:56
